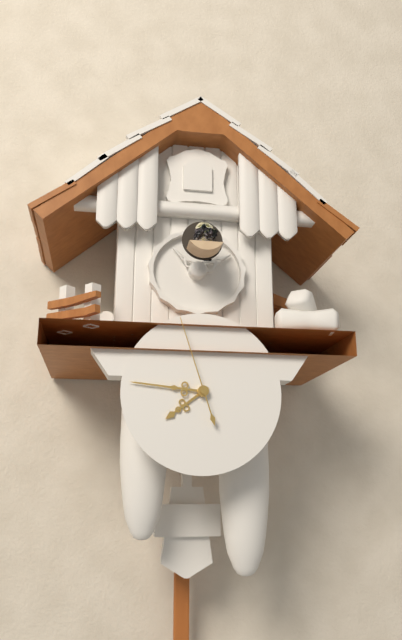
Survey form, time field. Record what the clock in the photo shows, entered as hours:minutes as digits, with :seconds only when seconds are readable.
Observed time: 7:46:57
